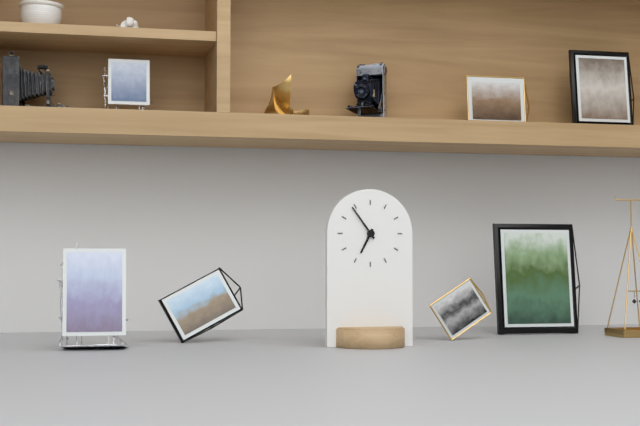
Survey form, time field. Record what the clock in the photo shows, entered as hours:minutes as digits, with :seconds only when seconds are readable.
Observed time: 6:54
